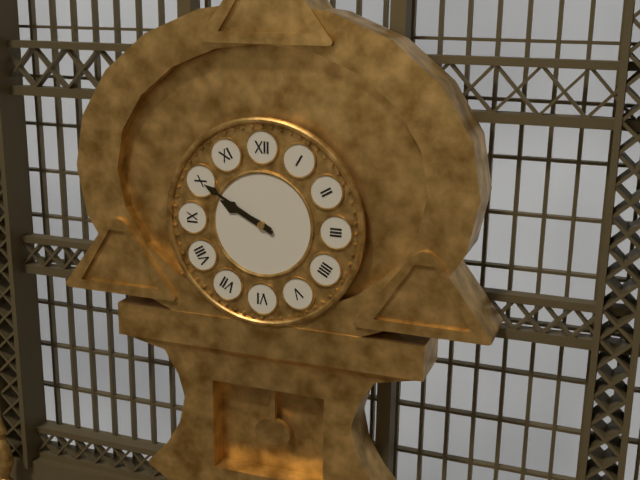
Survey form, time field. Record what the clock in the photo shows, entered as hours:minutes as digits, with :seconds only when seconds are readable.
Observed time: 9:50
